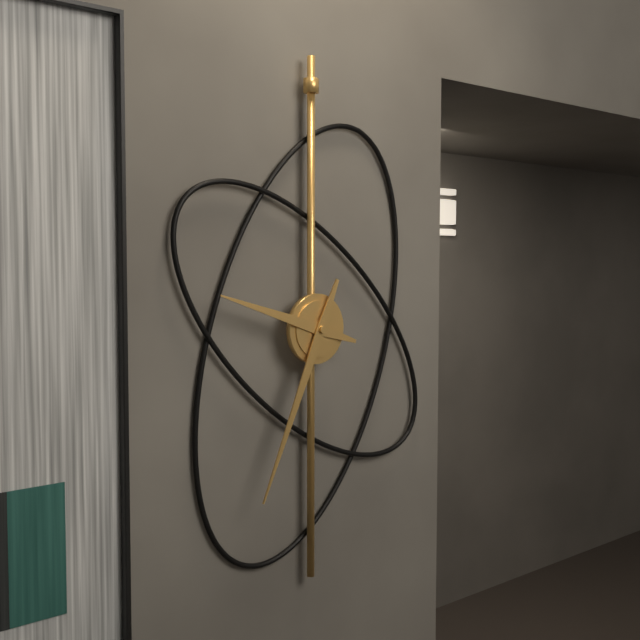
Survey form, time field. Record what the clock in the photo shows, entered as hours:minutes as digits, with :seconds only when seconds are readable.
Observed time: 9:34
